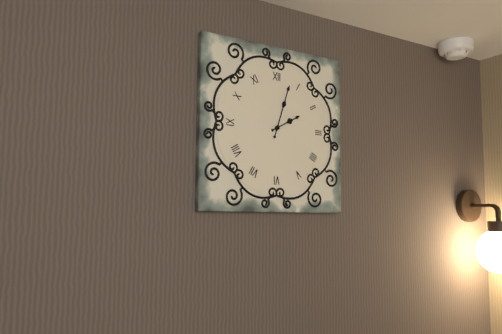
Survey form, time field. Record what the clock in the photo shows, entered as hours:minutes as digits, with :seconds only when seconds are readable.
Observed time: 2:03
